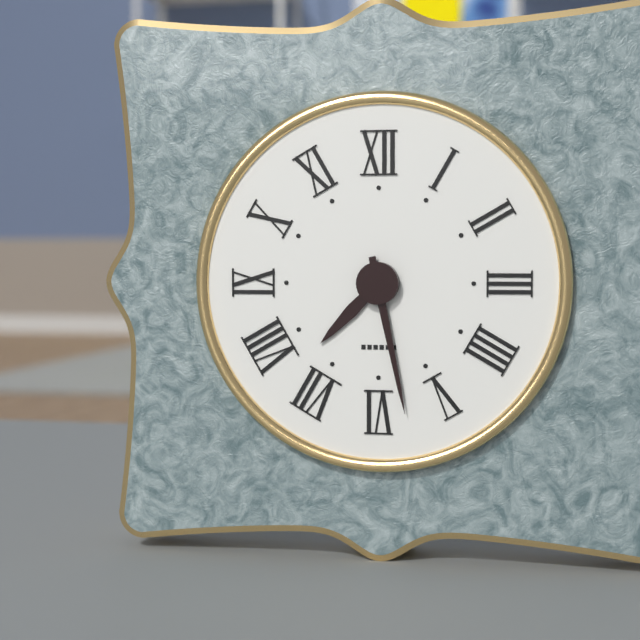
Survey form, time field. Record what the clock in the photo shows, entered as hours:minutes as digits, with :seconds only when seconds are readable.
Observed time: 7:28
